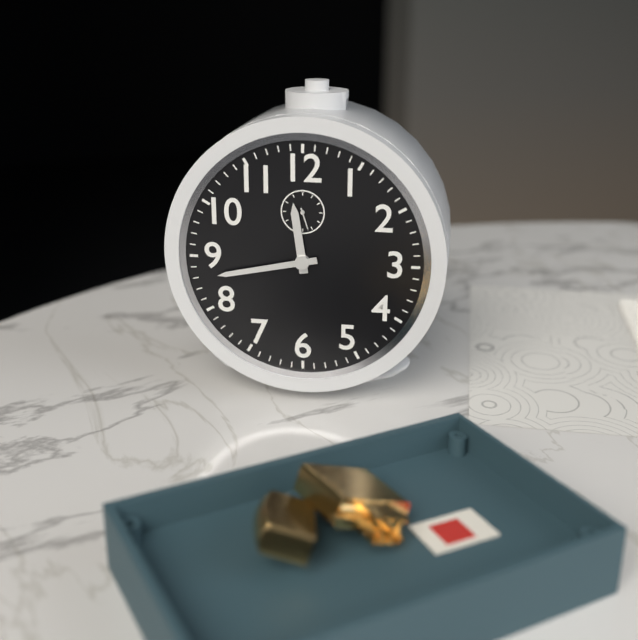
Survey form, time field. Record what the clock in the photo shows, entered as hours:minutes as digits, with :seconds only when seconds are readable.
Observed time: 11:43
